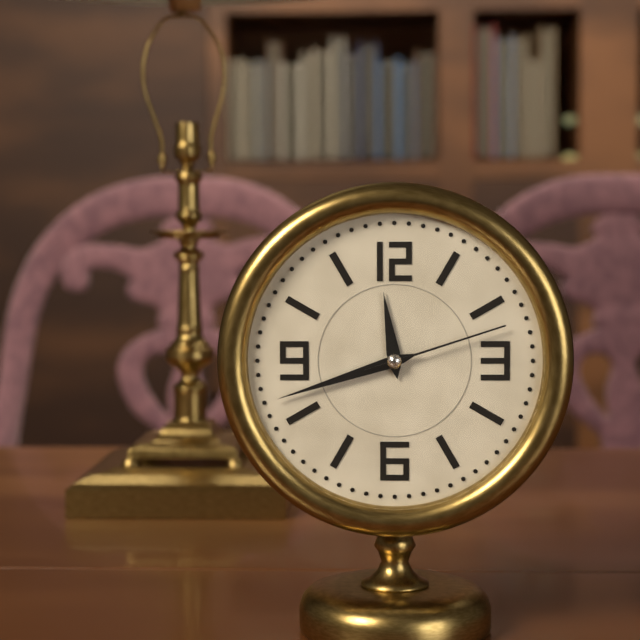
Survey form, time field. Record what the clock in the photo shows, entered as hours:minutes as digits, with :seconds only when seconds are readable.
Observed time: 11:42:12
